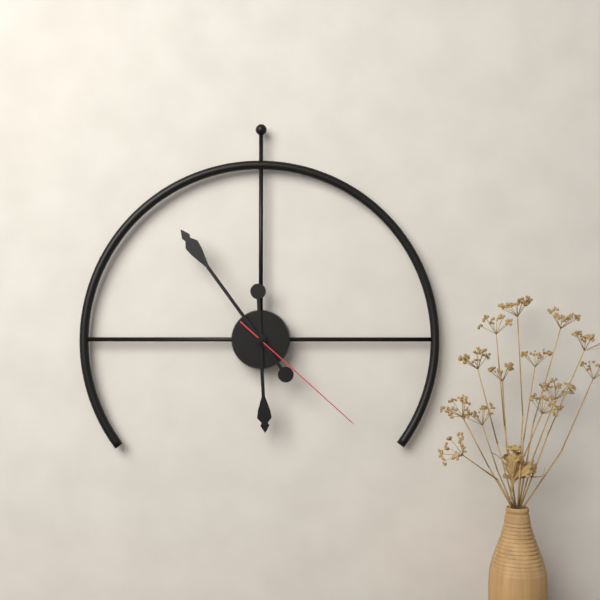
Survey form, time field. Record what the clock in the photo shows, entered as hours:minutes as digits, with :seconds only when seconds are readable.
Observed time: 5:54:22
